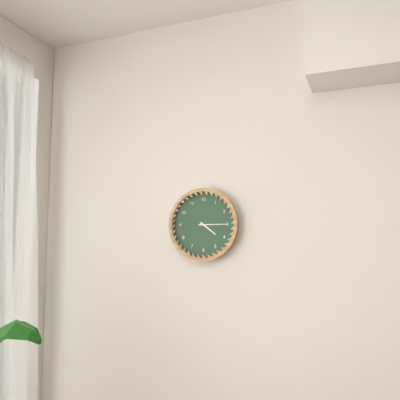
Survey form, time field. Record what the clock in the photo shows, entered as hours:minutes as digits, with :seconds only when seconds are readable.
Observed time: 4:15
